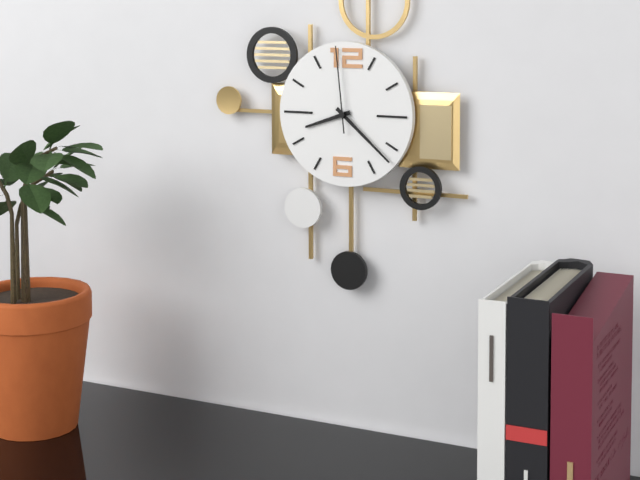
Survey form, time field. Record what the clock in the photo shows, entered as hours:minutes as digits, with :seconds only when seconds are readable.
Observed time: 8:22:59
